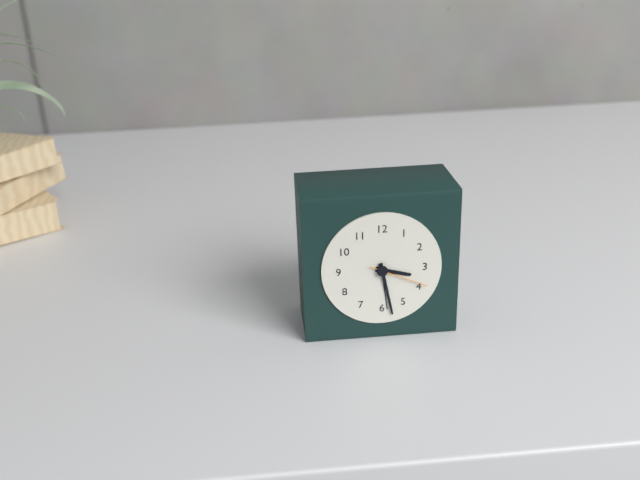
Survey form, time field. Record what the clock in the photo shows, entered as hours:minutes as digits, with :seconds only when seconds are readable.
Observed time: 3:28:19
